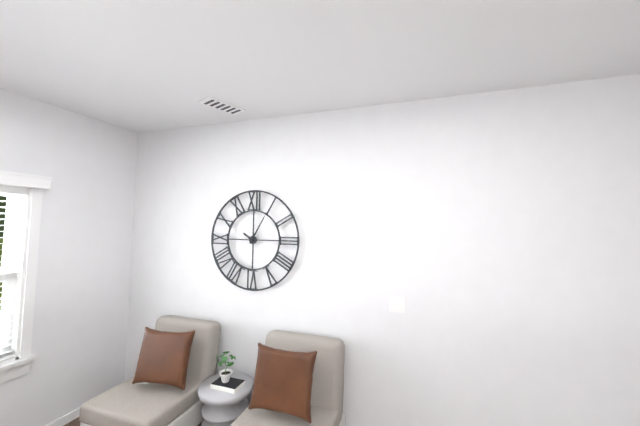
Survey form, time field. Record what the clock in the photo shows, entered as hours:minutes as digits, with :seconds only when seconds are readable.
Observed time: 10:05
